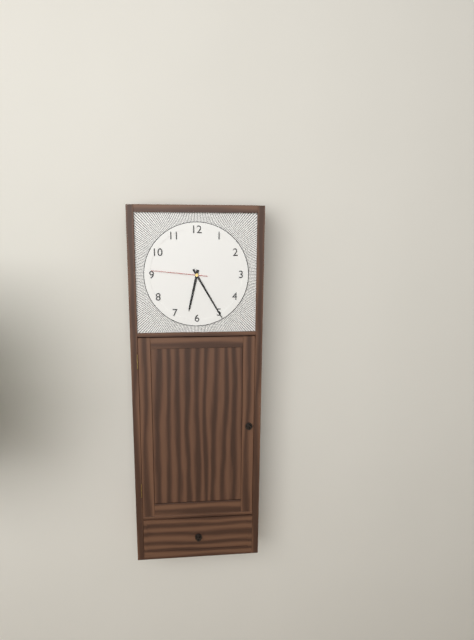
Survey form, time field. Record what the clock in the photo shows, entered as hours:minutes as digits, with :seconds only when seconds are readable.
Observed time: 6:25:46
